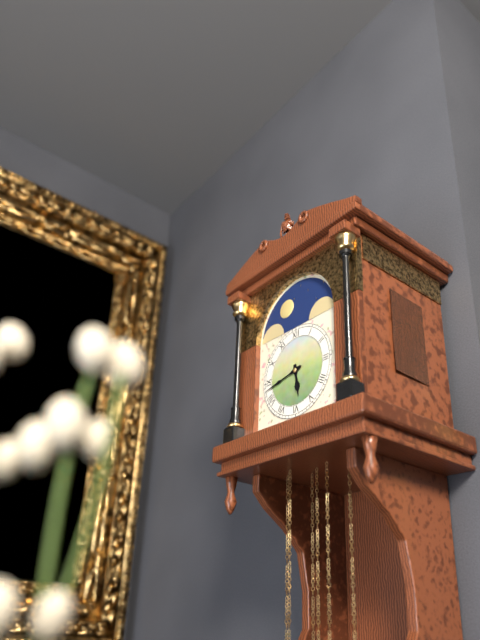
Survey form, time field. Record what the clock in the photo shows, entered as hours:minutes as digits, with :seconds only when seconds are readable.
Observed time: 5:43
